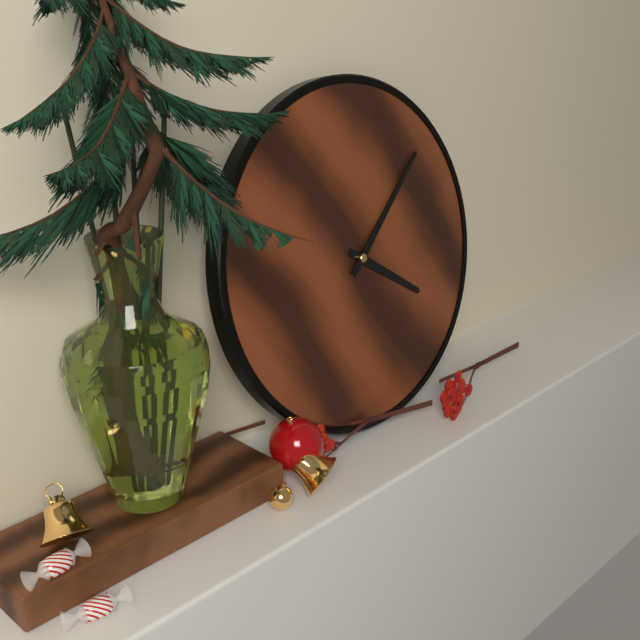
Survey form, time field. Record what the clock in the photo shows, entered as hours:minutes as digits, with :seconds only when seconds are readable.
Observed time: 4:08
